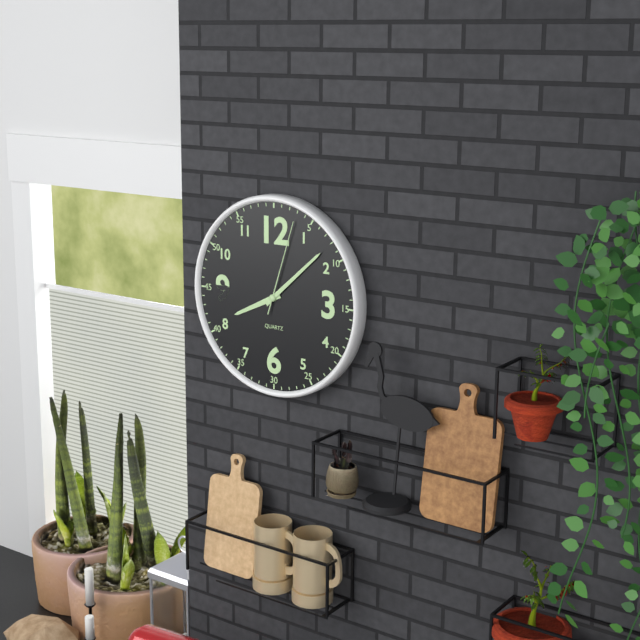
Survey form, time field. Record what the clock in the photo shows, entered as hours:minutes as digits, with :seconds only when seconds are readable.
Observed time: 8:08:03
